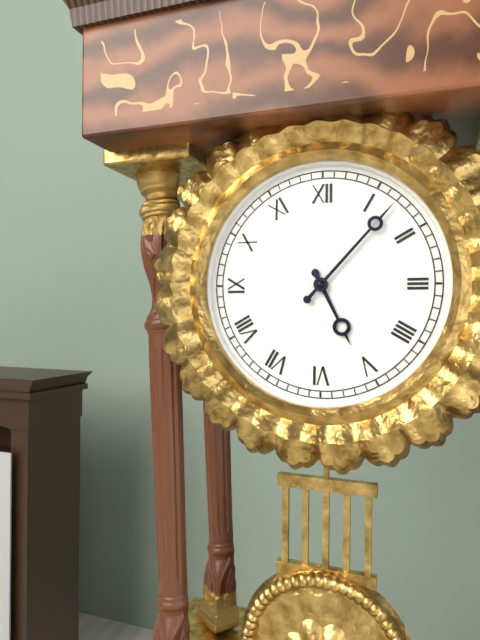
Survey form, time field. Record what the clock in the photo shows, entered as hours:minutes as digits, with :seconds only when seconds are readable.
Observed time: 5:07
